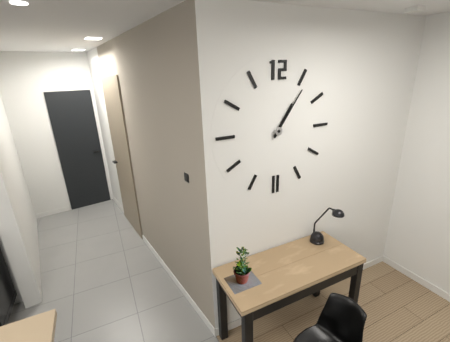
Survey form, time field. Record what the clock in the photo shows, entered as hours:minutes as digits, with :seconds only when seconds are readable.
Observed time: 1:06
